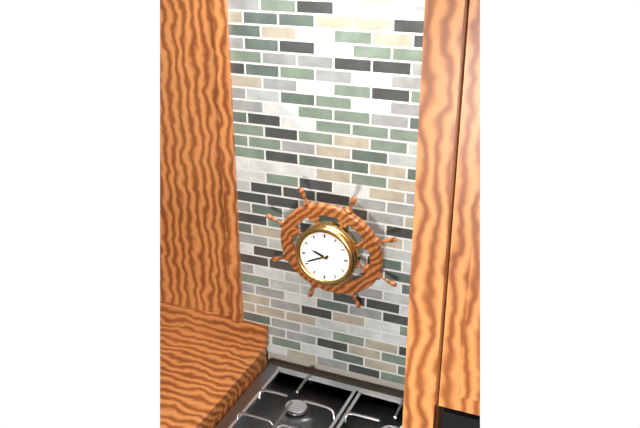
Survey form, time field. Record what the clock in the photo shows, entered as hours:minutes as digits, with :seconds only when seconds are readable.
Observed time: 9:41
